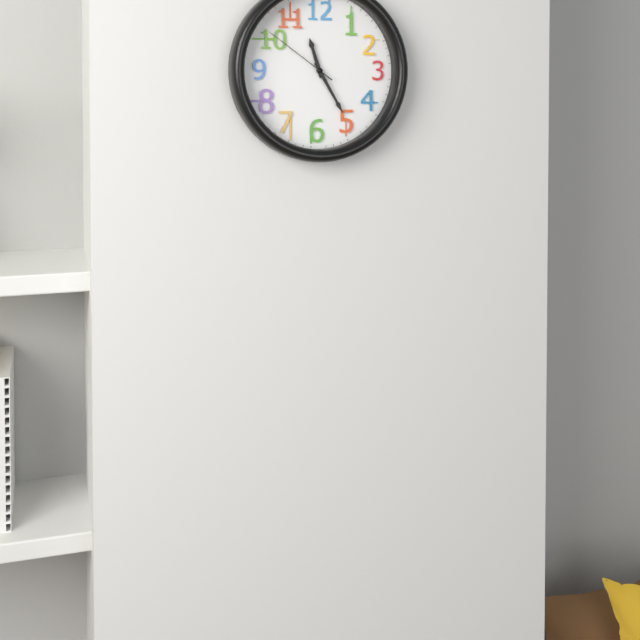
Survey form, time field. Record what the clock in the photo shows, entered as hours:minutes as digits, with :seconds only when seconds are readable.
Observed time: 11:25:51
